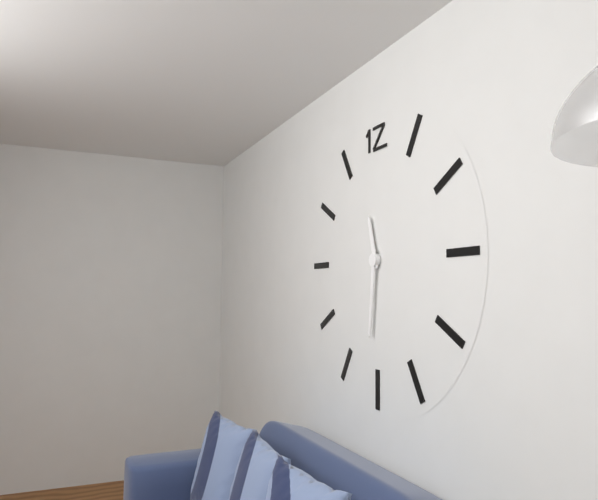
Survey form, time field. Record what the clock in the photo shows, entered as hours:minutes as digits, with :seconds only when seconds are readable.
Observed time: 11:31
